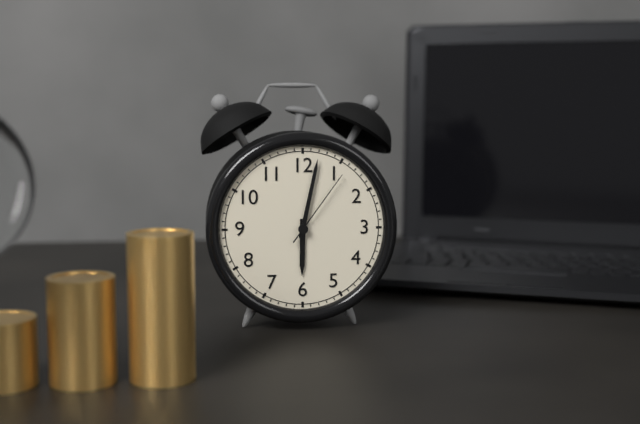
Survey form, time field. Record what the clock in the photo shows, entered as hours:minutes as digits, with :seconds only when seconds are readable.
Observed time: 6:02:06
